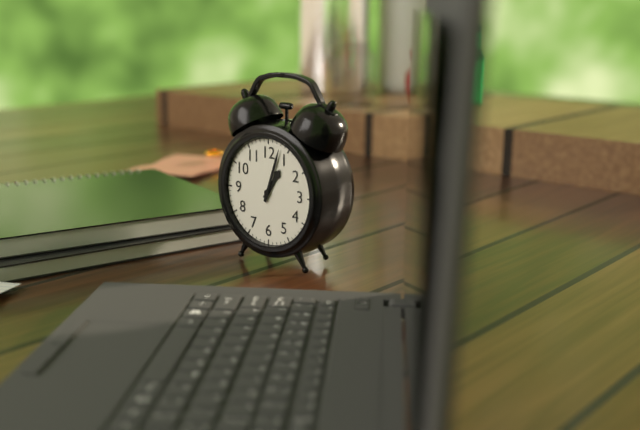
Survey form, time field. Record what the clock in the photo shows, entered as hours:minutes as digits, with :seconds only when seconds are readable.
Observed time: 1:03
